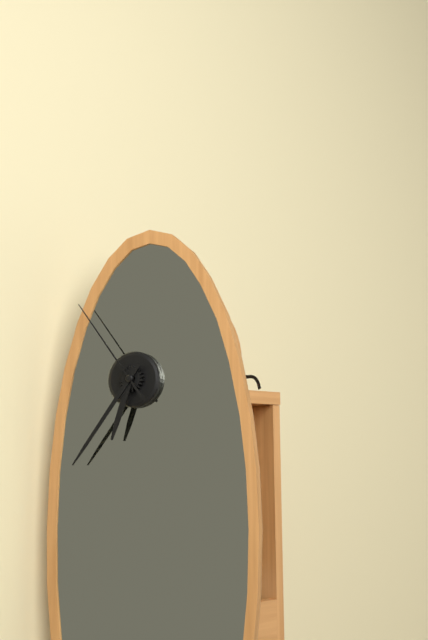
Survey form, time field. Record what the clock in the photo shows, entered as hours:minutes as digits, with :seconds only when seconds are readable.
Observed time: 6:36:54
